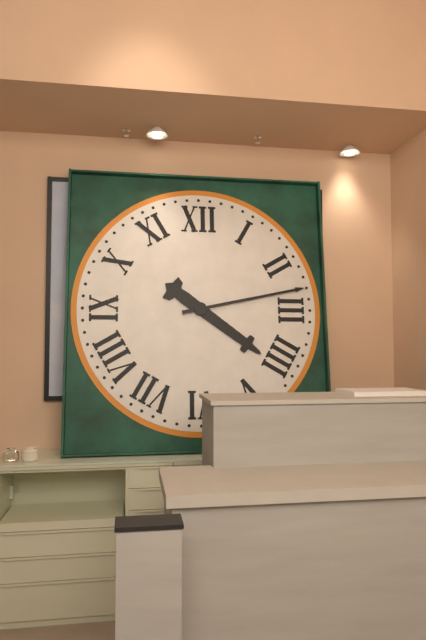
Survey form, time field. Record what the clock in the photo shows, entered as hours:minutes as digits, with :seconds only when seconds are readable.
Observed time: 4:13
